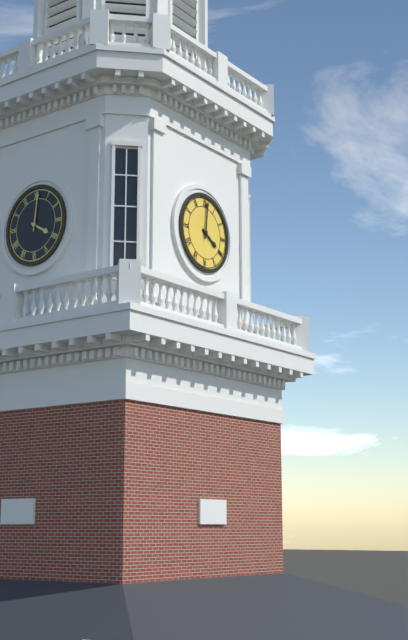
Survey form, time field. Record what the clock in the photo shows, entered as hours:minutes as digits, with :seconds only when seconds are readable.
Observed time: 4:01
